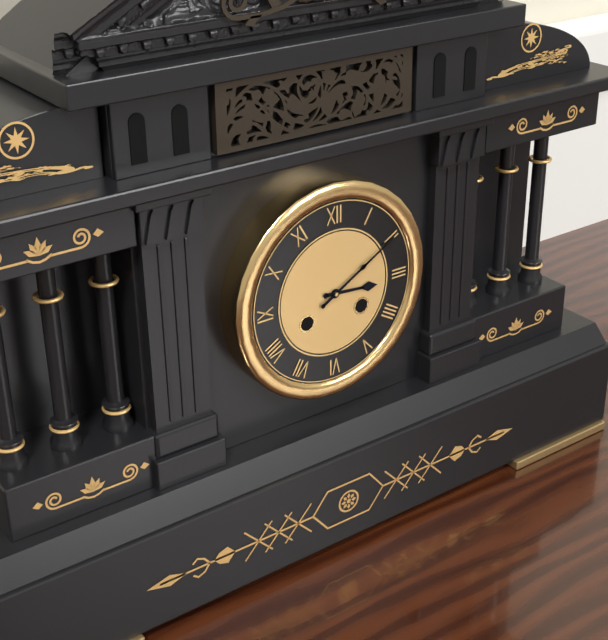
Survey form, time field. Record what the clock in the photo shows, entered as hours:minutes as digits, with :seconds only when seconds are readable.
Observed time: 3:10
